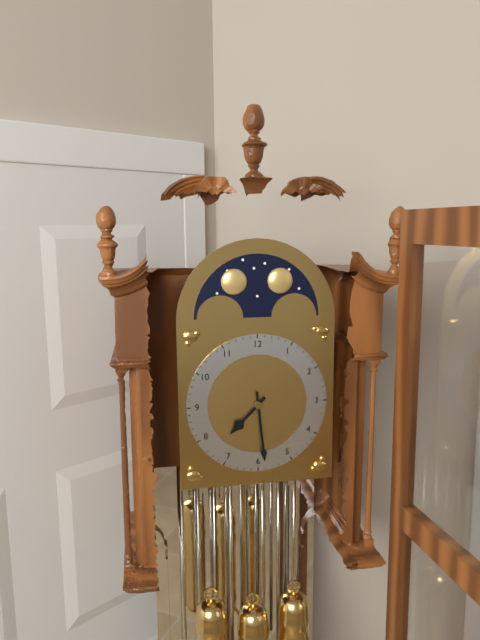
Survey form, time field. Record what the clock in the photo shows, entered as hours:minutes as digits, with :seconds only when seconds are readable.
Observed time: 7:29
